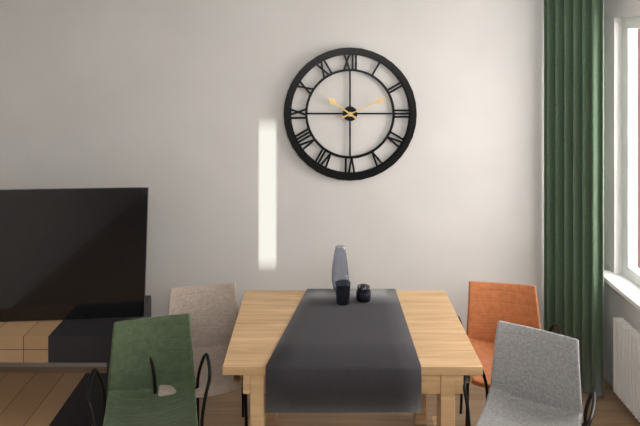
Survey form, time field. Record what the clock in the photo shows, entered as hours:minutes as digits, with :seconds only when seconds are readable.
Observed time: 10:11
